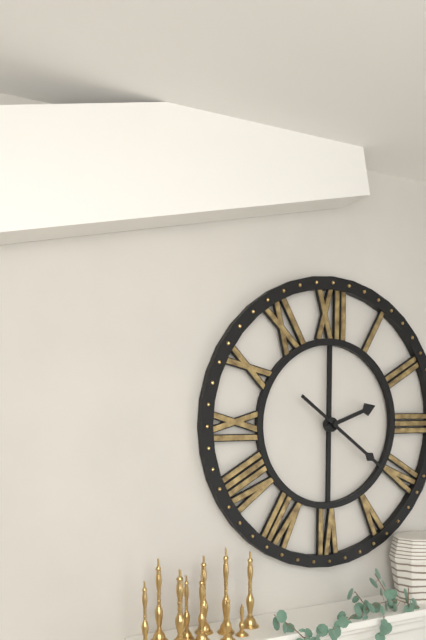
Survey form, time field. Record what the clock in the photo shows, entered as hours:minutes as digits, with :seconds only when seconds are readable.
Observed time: 2:21
